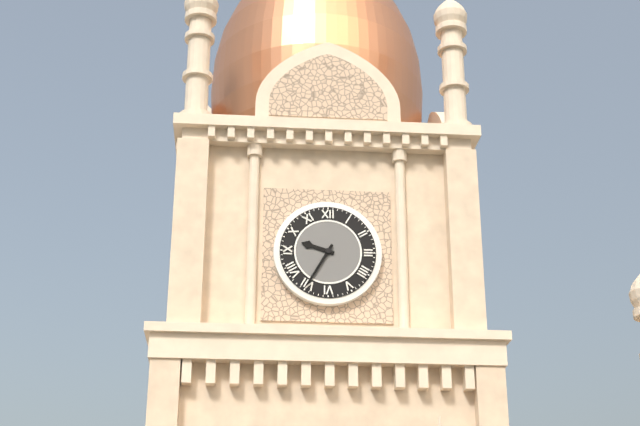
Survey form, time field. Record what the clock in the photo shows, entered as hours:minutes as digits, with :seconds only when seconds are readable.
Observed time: 9:35
